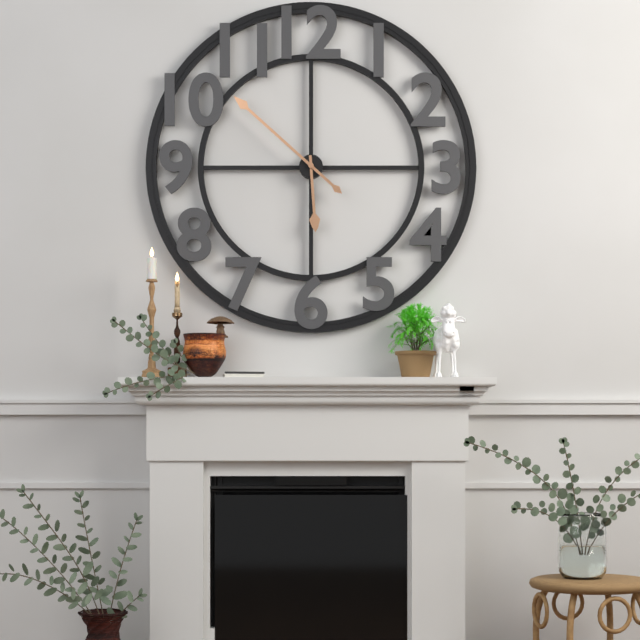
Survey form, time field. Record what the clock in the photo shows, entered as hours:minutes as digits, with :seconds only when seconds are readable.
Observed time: 5:52
